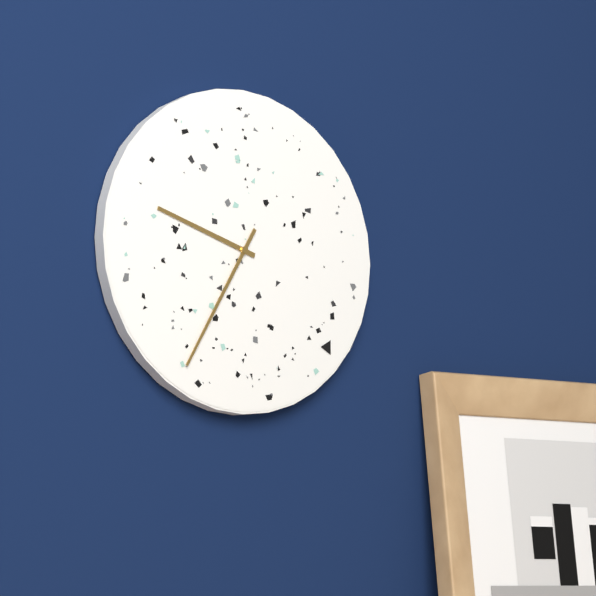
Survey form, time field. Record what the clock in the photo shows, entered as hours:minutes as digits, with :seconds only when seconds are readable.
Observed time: 9:35
